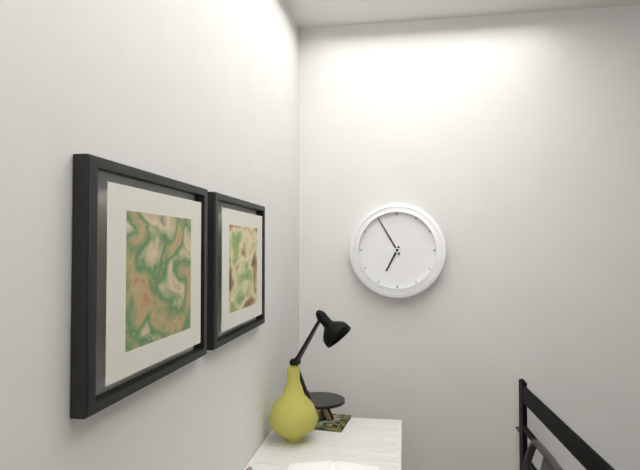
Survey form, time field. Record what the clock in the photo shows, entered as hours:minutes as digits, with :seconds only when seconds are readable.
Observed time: 6:55
